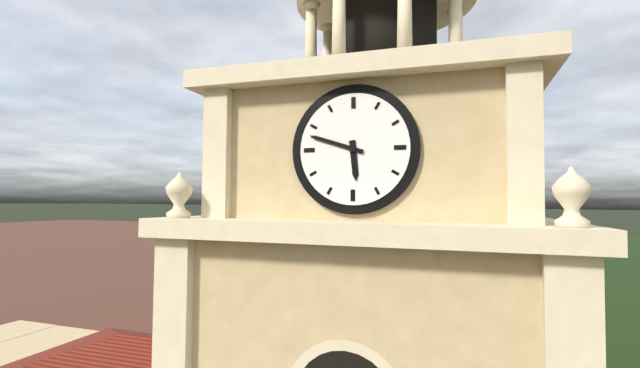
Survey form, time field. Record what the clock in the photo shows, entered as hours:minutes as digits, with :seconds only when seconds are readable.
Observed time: 5:48
